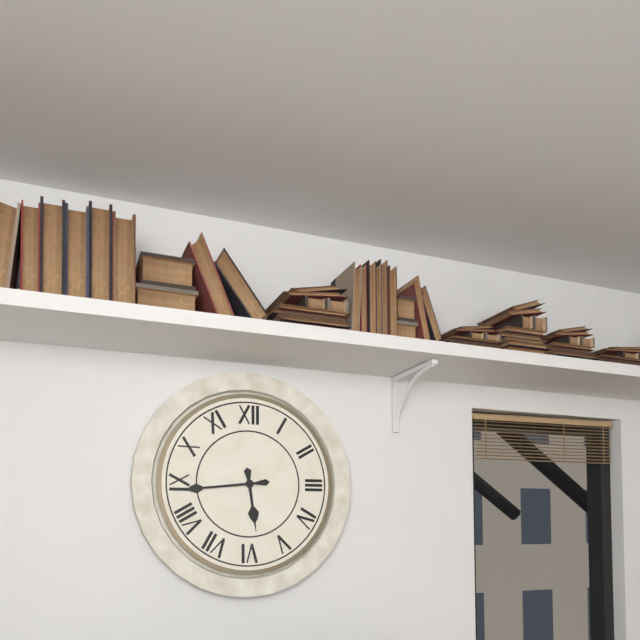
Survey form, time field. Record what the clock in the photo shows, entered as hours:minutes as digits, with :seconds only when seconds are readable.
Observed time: 5:44
